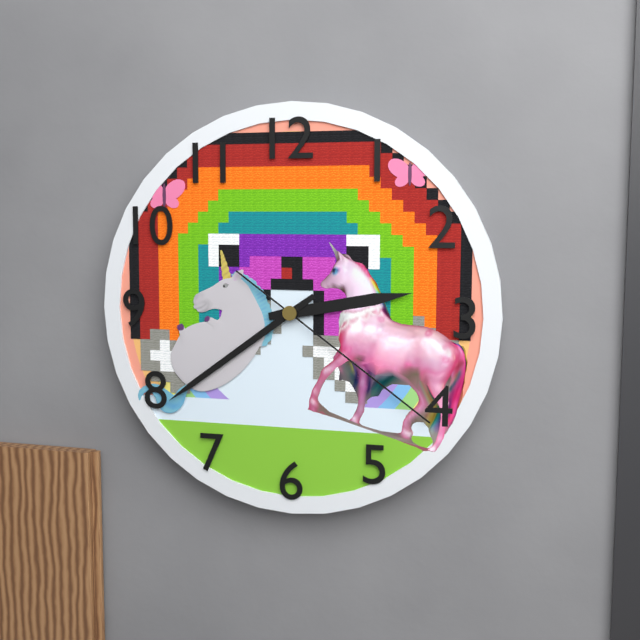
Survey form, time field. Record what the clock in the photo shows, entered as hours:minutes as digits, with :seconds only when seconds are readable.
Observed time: 2:39:21
